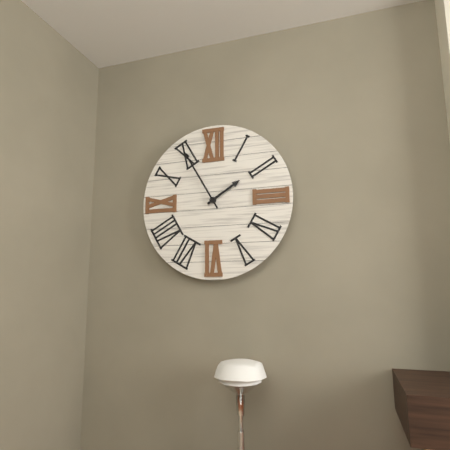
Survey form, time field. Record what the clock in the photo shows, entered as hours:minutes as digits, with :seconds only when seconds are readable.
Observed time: 1:55
